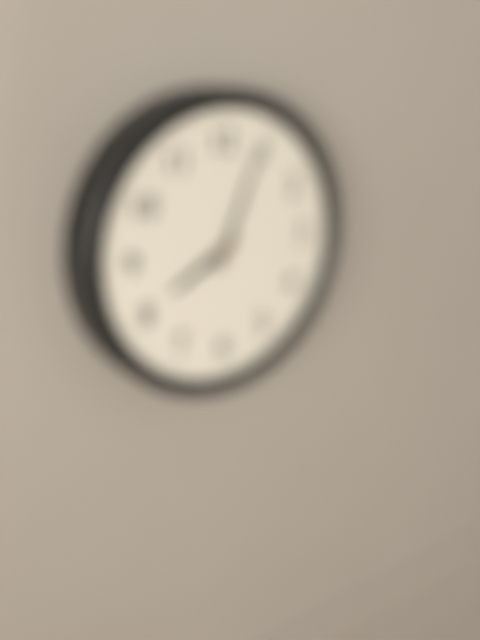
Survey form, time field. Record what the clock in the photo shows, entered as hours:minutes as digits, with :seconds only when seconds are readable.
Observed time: 8:04
